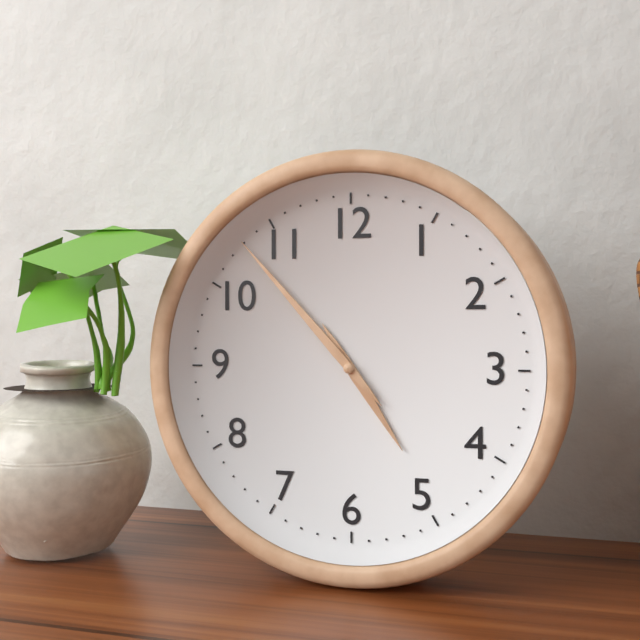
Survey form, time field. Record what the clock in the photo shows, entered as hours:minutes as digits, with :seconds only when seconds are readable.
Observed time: 4:53
